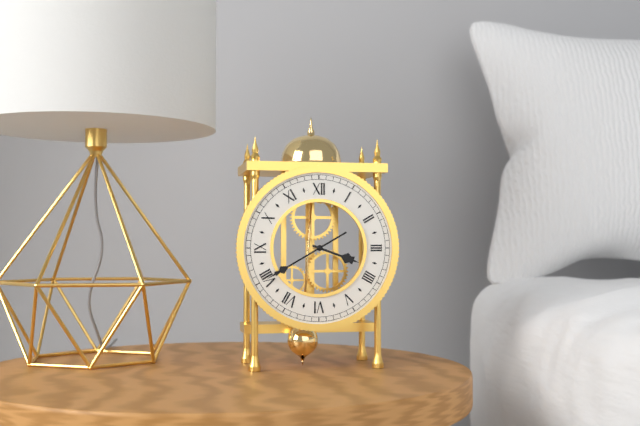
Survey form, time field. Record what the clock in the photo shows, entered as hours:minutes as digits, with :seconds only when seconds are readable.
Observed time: 3:40
